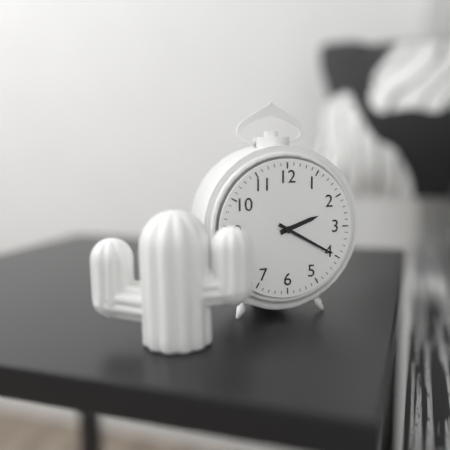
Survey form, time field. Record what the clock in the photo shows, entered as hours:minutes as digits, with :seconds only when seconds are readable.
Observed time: 2:20
